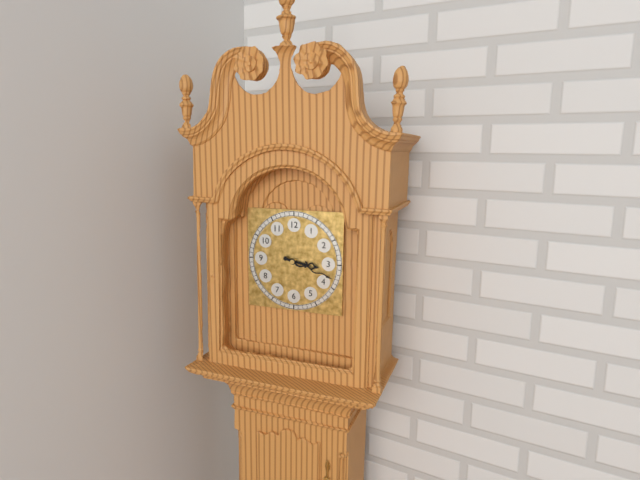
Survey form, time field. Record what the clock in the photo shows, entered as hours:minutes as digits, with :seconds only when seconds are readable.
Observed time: 3:18
